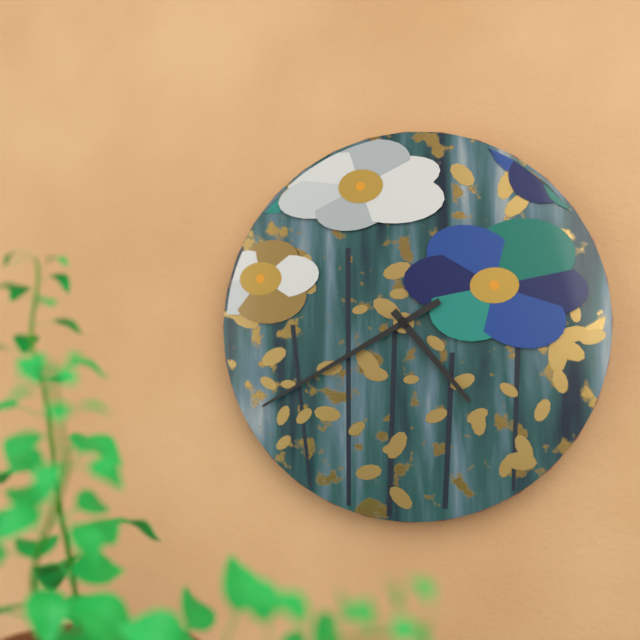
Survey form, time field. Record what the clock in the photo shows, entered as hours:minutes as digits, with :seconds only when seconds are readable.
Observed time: 4:40
